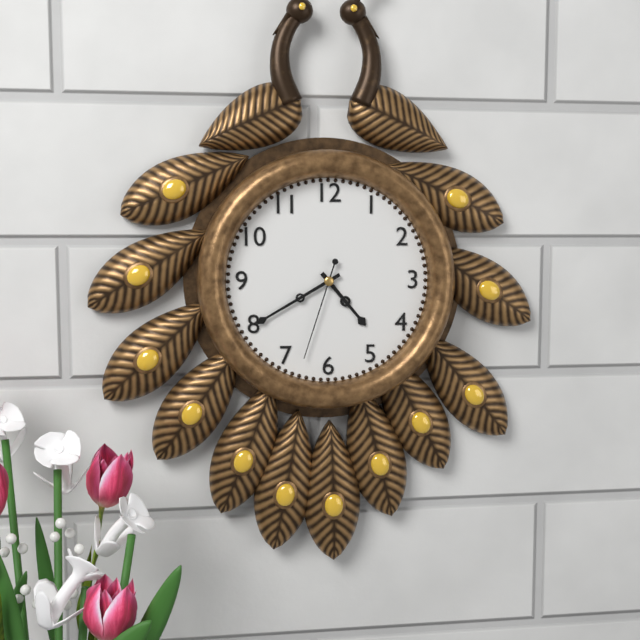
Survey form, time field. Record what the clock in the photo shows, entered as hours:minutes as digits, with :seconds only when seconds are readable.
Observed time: 4:40:33
